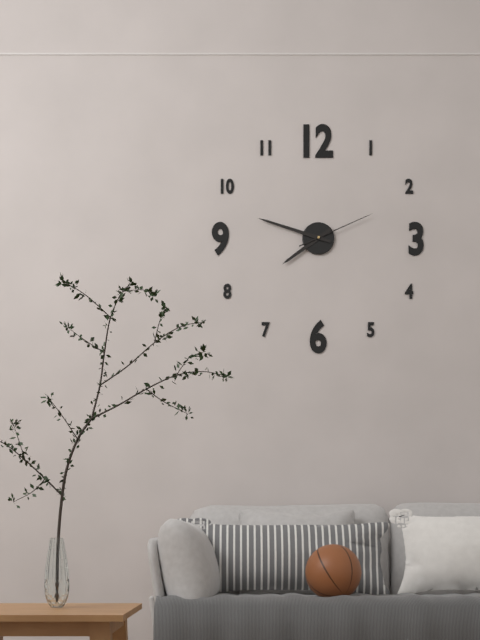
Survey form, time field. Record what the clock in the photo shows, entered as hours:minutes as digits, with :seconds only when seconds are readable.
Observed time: 7:48:11
